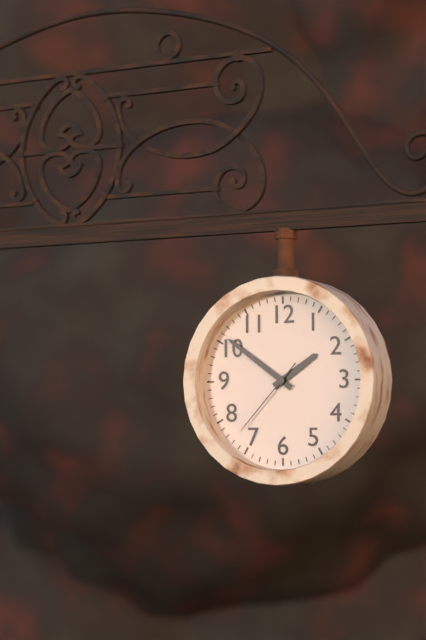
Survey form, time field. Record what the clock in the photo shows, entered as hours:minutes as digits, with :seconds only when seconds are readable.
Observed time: 1:51:37
